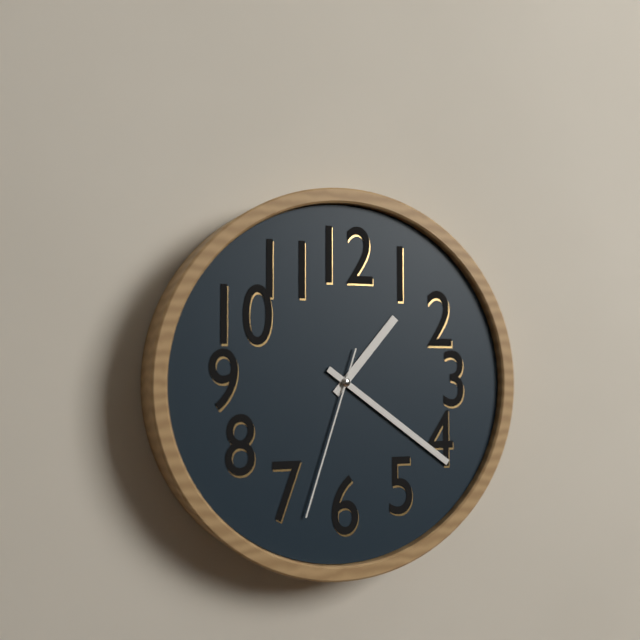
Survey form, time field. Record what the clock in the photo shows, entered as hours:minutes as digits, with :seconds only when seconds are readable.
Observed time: 1:21:33
